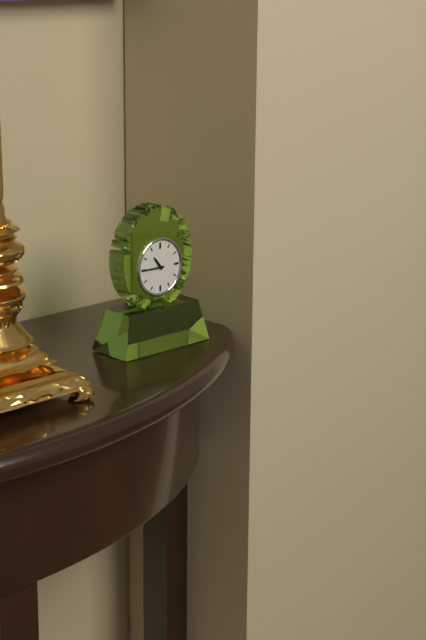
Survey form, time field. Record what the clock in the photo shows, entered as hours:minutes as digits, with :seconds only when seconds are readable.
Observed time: 10:45
